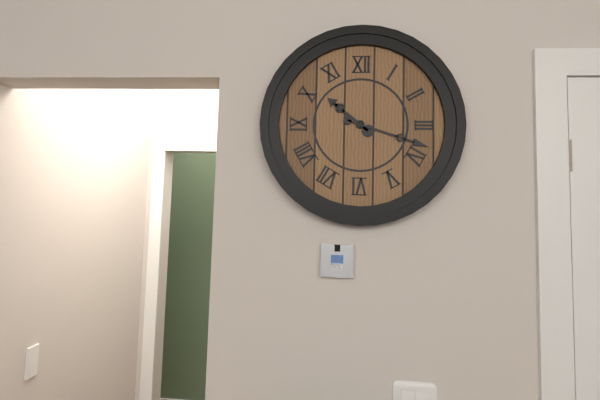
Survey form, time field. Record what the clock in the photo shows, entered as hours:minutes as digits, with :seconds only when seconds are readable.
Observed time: 10:18
